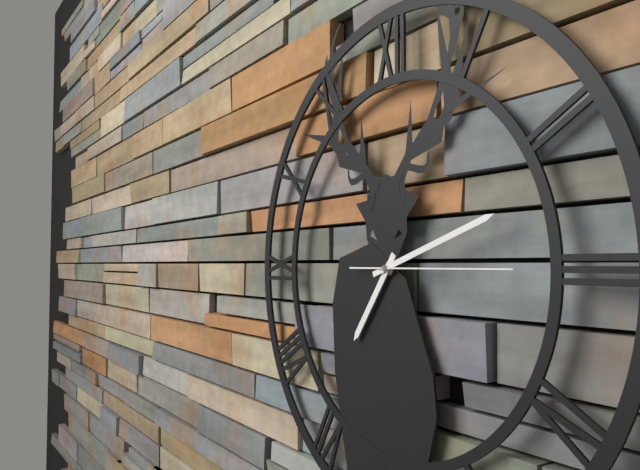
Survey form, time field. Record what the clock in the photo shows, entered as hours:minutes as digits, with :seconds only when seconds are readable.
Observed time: 7:12:15
